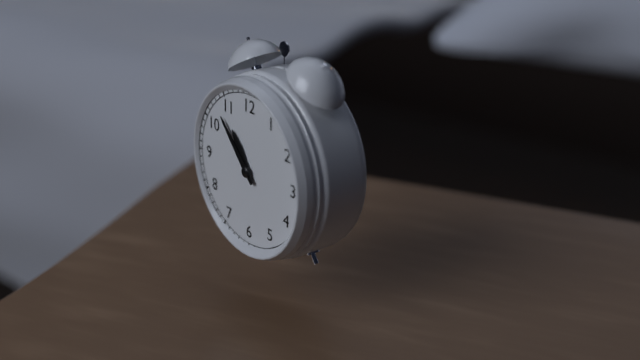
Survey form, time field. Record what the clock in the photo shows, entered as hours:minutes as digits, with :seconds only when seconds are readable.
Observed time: 10:53
